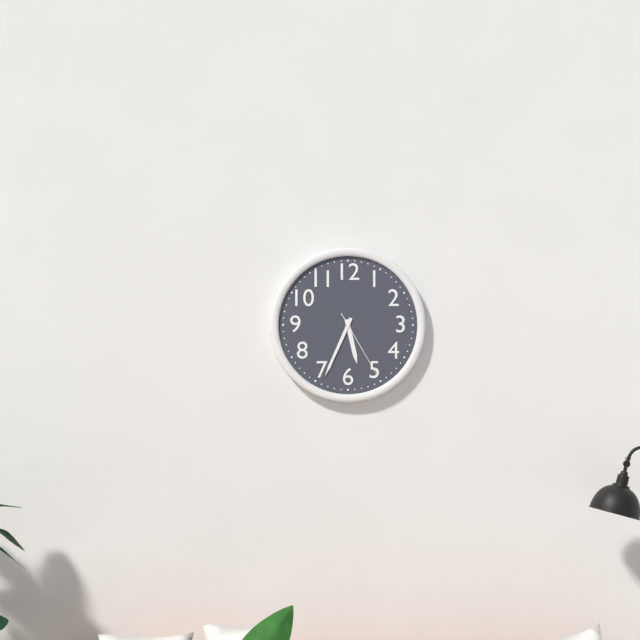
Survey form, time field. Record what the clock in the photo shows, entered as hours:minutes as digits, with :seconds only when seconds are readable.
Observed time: 5:34:25
